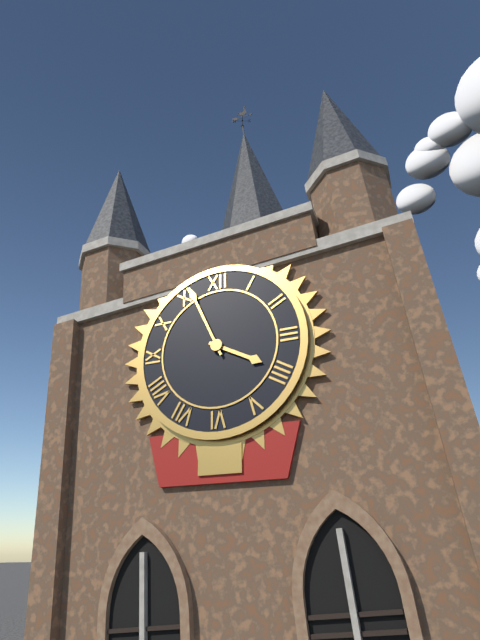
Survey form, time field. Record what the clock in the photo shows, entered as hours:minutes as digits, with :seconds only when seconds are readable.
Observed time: 3:56
